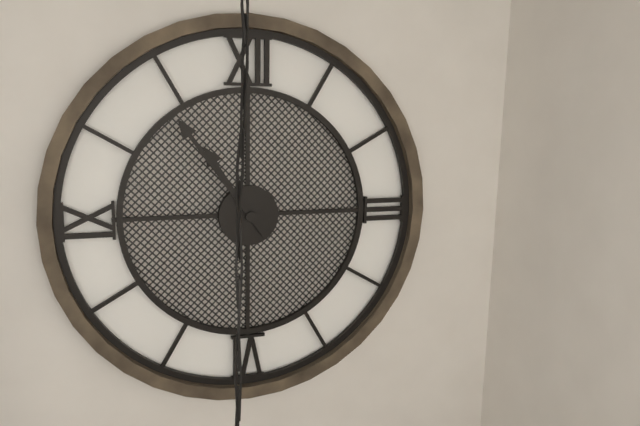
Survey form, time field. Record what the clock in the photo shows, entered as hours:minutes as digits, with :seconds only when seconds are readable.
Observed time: 10:54
